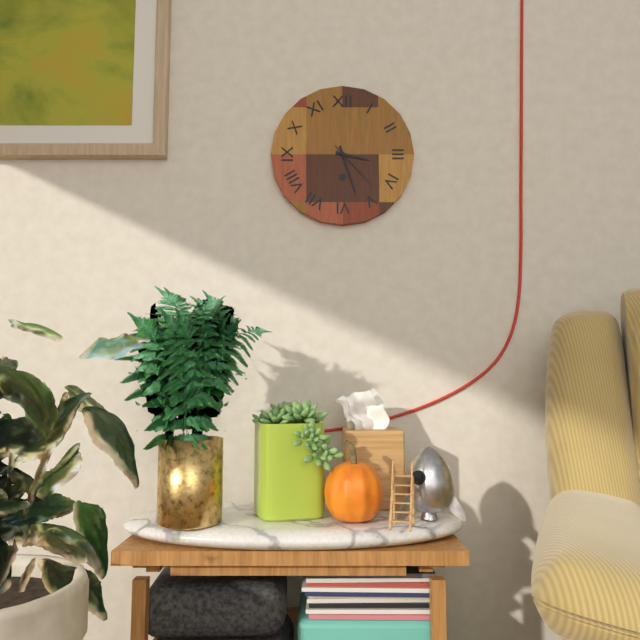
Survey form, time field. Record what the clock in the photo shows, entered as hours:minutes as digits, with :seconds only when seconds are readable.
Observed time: 3:27:23
